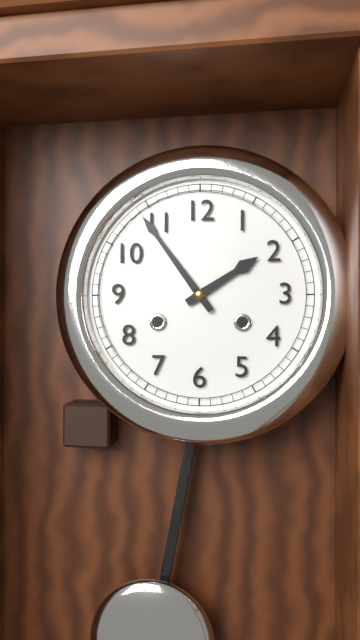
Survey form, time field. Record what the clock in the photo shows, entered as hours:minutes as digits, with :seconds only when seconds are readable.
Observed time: 1:54
